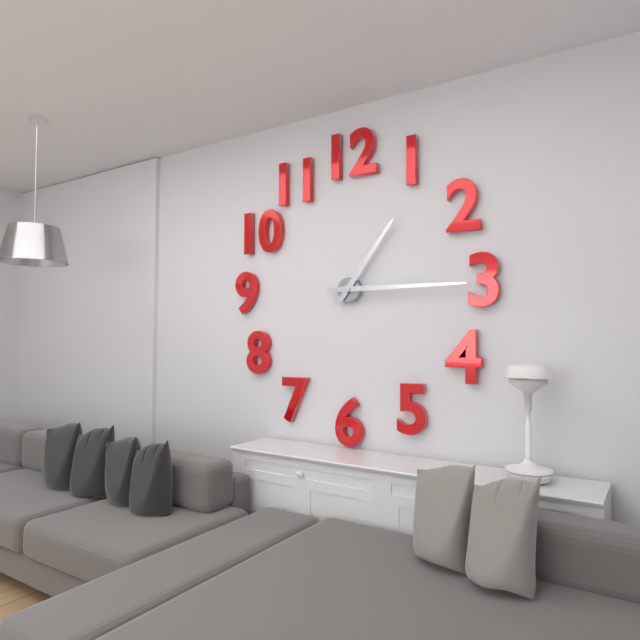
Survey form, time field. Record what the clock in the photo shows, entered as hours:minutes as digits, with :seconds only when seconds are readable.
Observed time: 1:15
